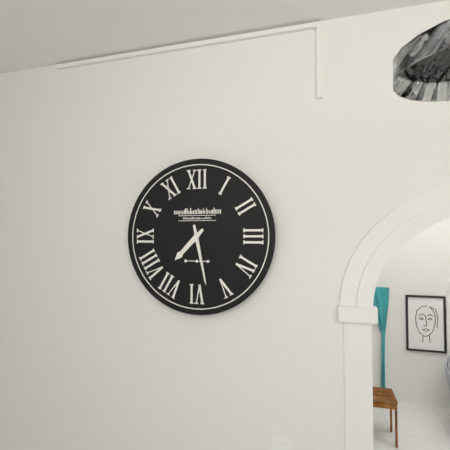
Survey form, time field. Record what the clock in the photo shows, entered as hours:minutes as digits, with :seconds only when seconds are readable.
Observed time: 7:28
